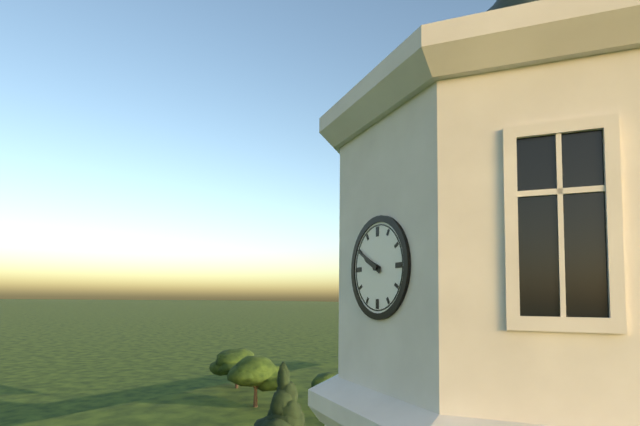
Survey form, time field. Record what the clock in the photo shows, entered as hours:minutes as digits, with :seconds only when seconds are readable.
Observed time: 9:50
